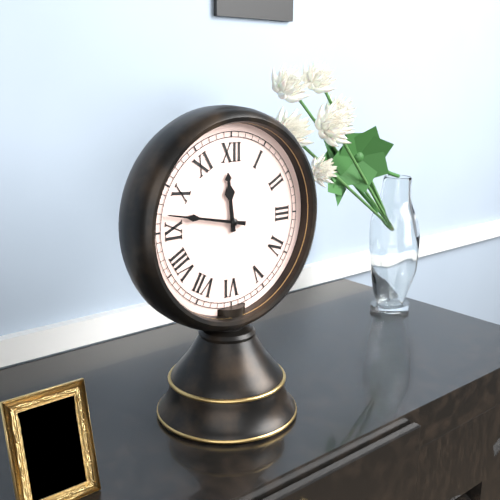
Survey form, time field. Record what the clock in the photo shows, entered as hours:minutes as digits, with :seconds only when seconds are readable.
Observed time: 11:47
